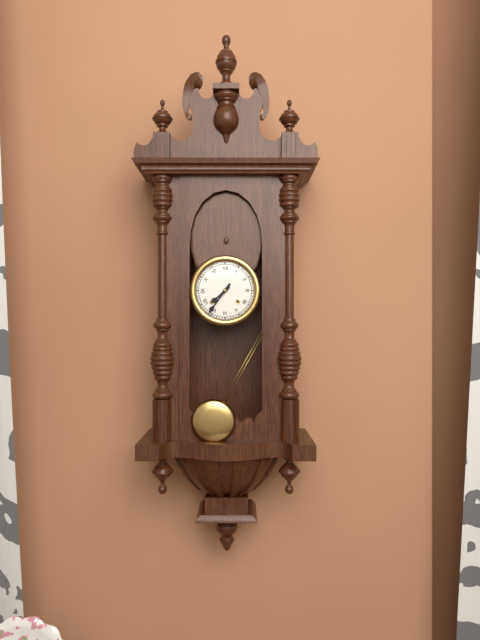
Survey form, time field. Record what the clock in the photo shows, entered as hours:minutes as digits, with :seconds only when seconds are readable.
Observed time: 7:36
